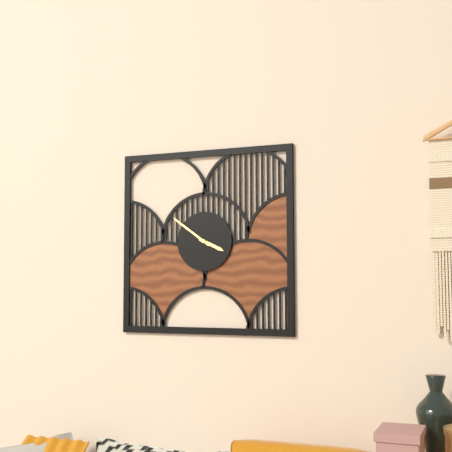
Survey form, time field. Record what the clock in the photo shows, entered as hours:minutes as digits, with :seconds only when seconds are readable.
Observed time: 3:51
